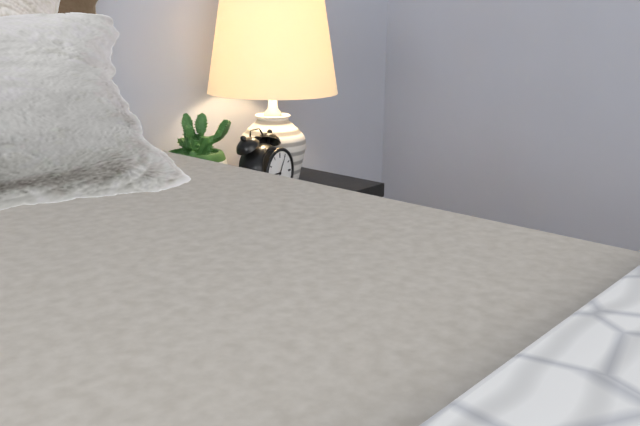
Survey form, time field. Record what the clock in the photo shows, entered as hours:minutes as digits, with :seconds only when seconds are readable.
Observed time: 9:05
